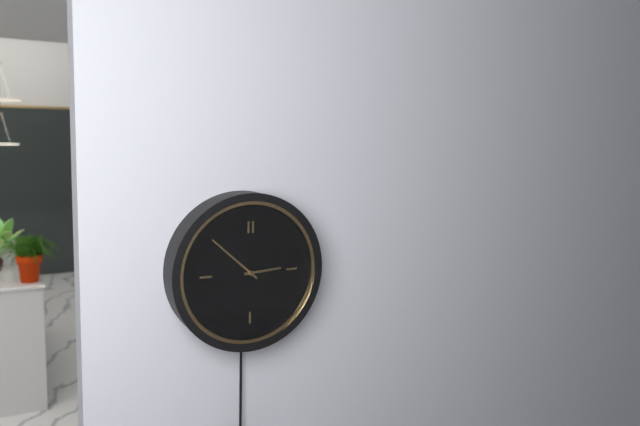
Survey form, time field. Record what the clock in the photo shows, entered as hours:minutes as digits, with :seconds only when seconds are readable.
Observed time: 2:52
